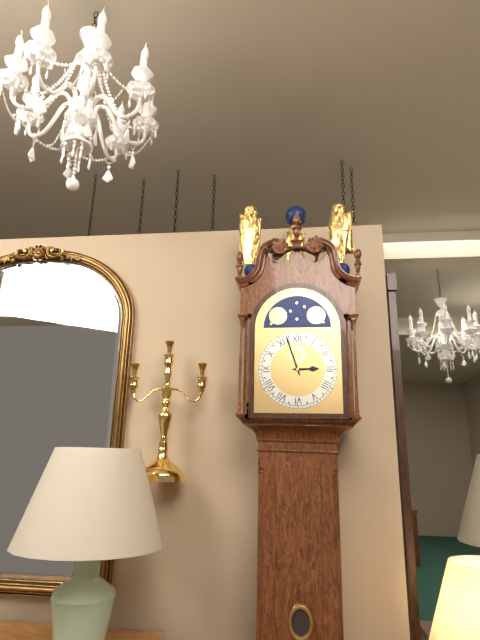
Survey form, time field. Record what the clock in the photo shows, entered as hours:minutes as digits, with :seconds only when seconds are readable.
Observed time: 2:57
